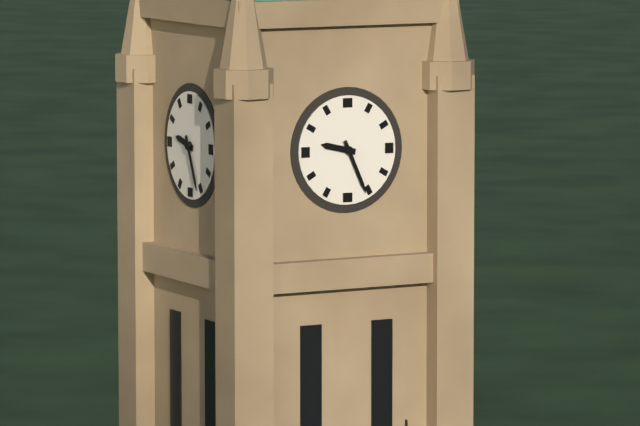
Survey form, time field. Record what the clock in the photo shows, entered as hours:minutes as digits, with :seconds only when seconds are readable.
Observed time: 9:26
